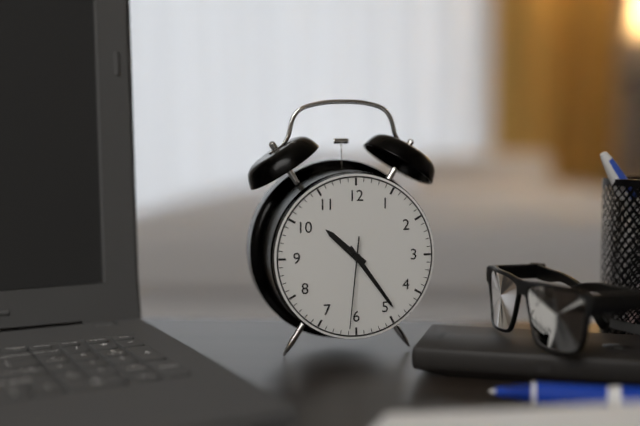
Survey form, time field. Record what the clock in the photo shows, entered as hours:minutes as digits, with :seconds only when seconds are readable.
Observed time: 10:24:31
